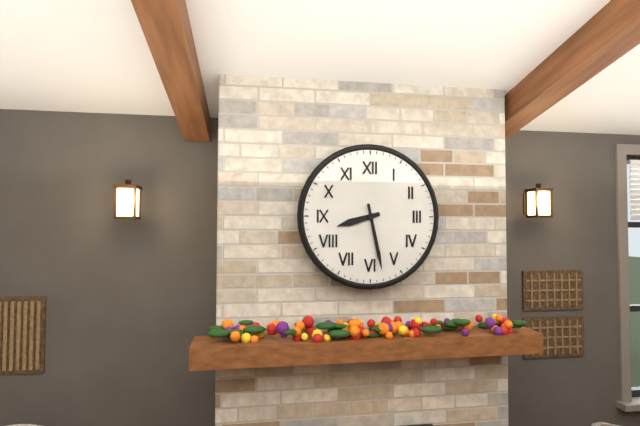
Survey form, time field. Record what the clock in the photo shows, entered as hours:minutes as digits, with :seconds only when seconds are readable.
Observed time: 8:28
